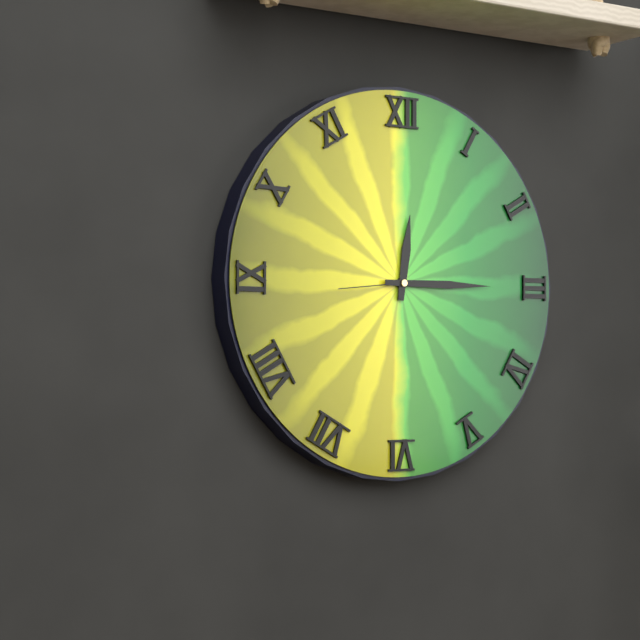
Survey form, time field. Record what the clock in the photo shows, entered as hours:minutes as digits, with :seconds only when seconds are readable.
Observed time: 12:15:44
